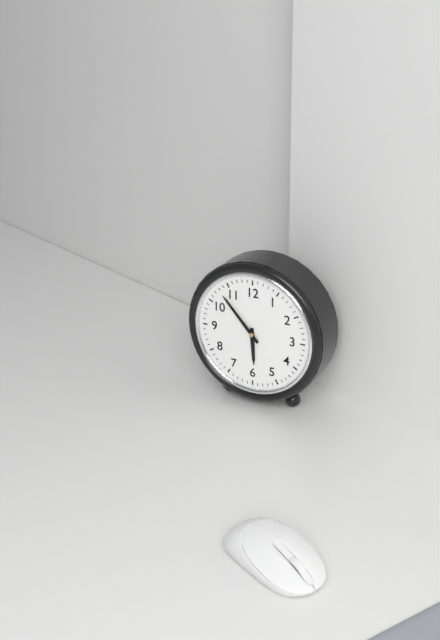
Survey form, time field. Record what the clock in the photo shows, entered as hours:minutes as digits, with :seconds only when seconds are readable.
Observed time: 5:53
